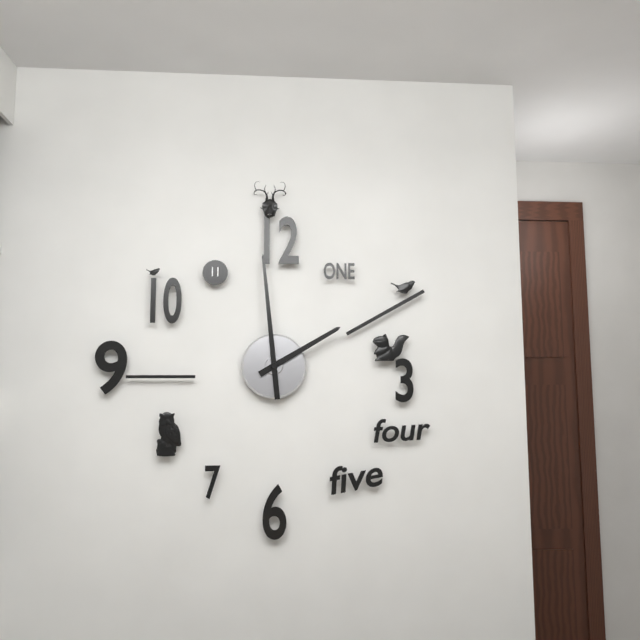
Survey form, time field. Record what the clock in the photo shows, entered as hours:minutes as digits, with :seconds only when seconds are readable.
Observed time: 1:59
